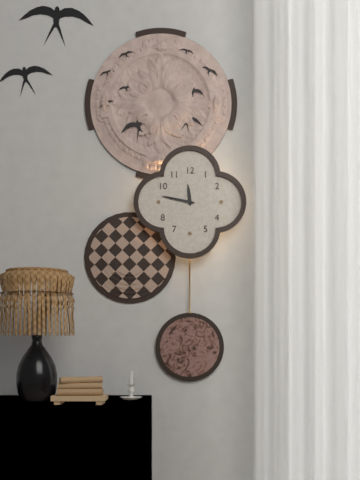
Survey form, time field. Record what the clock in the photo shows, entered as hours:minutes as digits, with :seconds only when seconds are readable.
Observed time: 11:47
